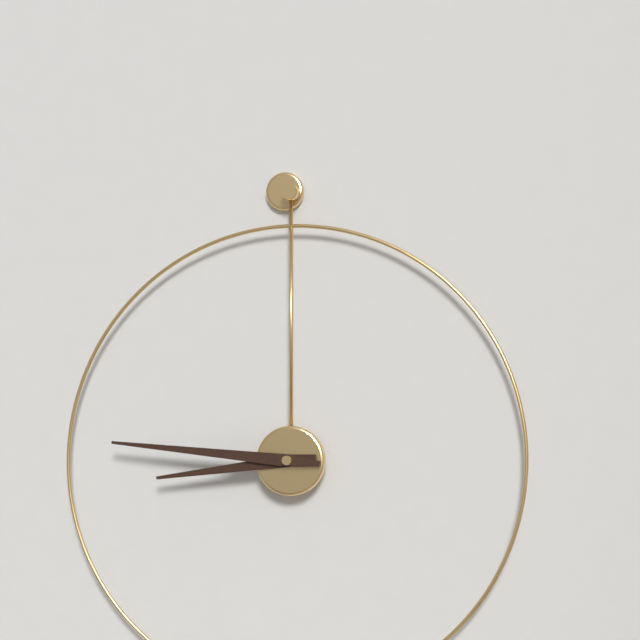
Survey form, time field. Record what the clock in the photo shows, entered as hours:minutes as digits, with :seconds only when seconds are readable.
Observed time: 8:46
